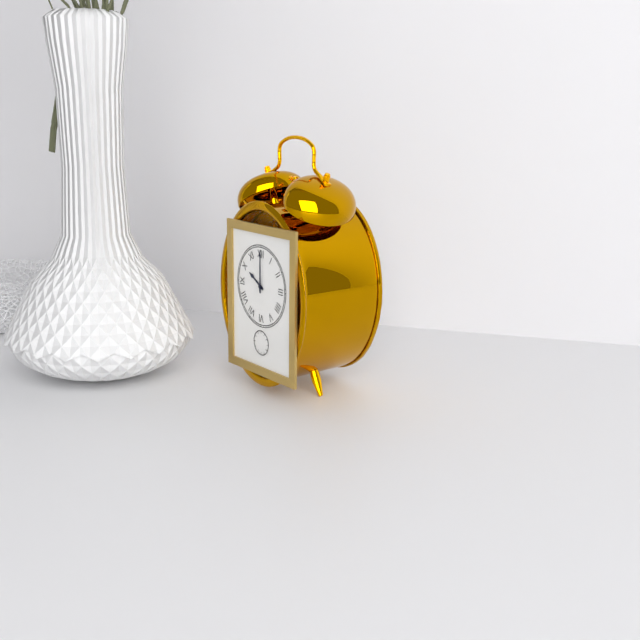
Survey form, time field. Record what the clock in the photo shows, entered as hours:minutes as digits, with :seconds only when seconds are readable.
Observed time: 10:00
